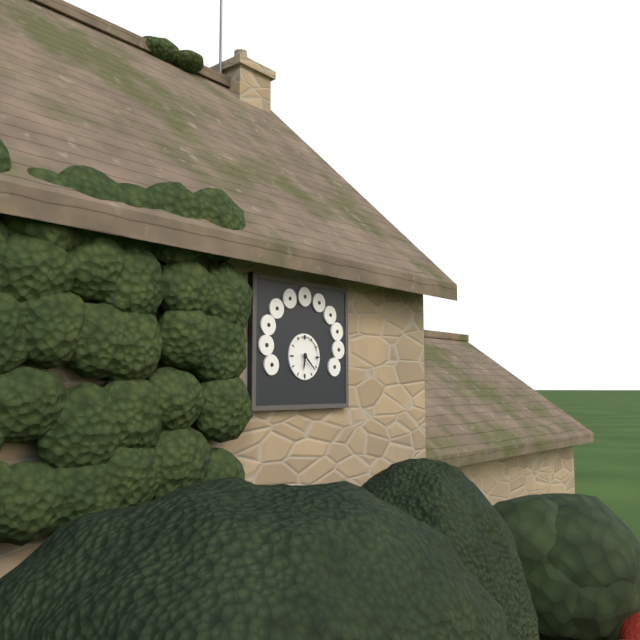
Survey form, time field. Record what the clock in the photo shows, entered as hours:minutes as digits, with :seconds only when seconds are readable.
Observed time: 6:22
